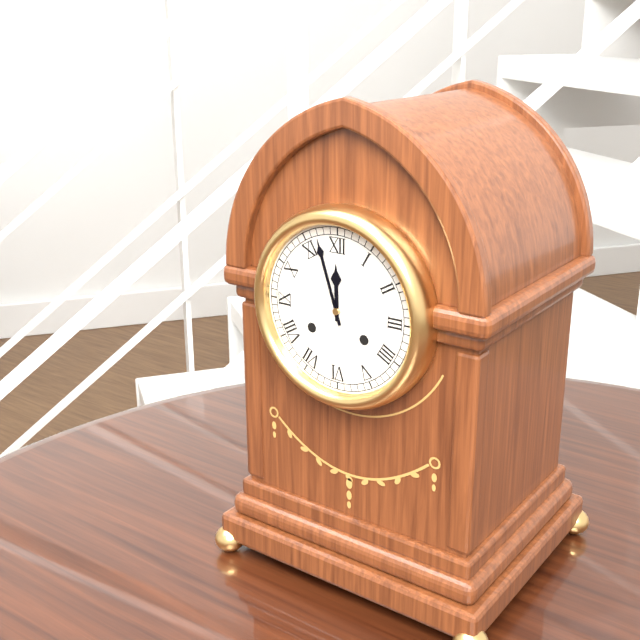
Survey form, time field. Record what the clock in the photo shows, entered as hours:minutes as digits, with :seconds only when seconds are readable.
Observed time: 11:57
